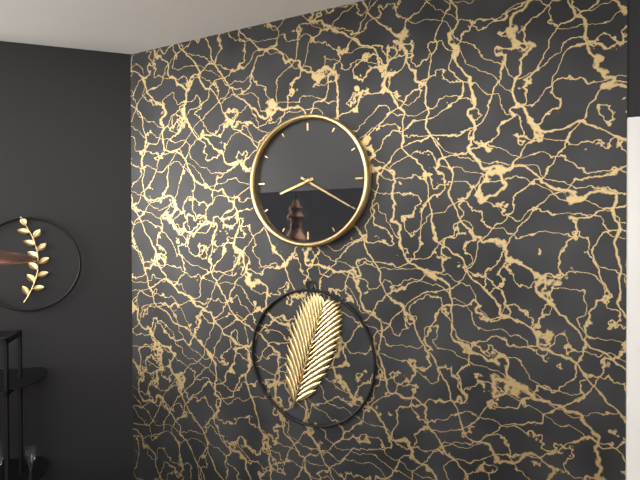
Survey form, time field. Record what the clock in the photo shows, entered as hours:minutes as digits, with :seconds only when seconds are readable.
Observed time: 8:20
